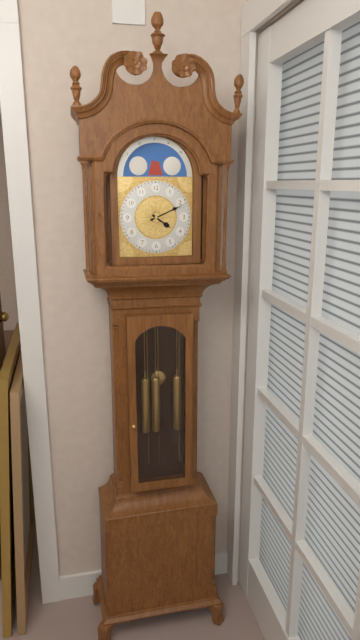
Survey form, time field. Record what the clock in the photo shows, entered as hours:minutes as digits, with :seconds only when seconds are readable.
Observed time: 4:11
